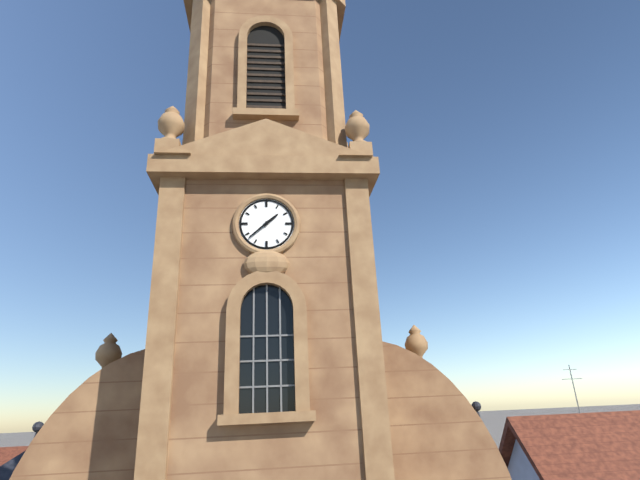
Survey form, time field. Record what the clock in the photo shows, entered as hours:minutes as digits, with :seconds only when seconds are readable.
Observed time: 1:38
